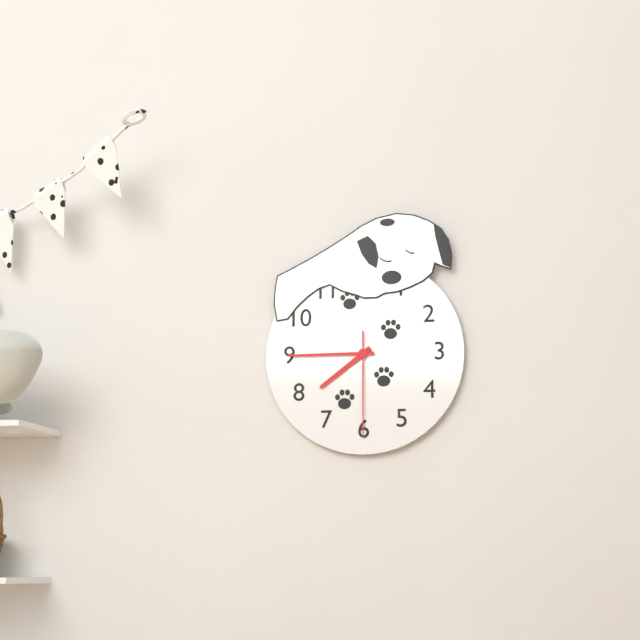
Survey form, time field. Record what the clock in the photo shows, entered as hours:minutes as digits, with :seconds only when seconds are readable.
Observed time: 7:45:30
